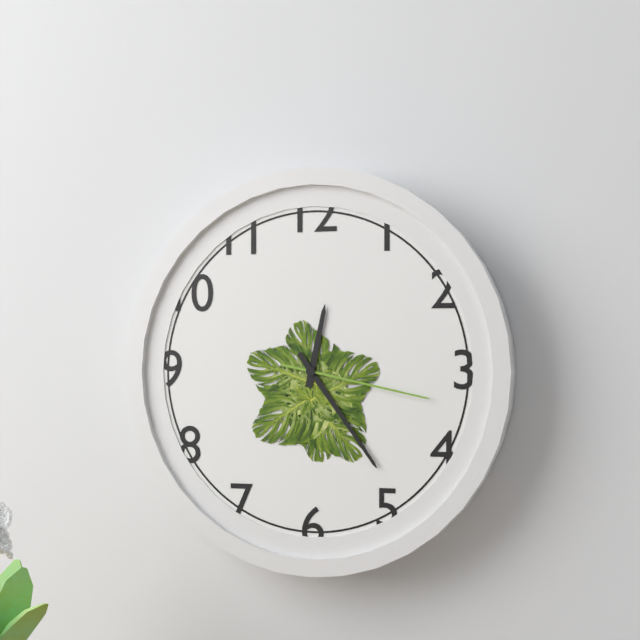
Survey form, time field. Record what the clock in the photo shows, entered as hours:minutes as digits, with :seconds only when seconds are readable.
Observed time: 12:24:17
